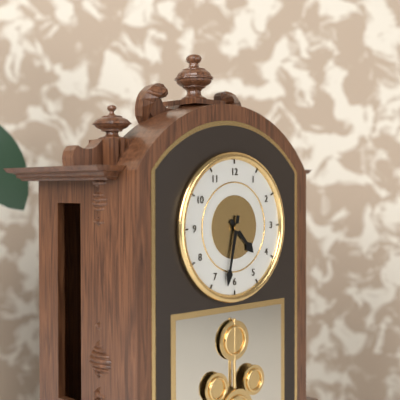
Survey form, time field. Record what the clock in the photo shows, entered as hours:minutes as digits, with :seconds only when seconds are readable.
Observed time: 4:32
